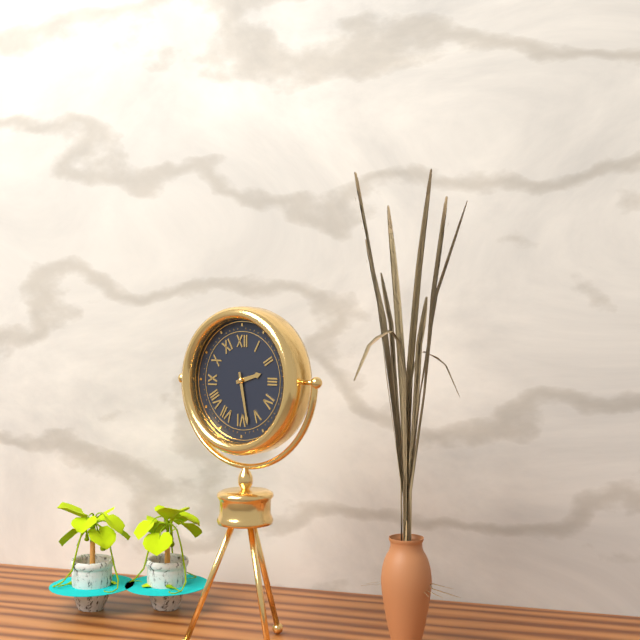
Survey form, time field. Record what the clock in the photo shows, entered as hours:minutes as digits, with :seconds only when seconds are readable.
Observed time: 2:28
